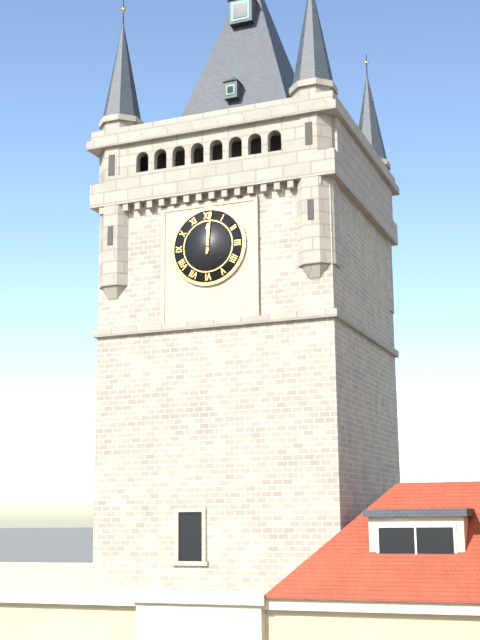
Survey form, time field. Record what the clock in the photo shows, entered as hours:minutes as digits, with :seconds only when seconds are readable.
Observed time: 12:01
